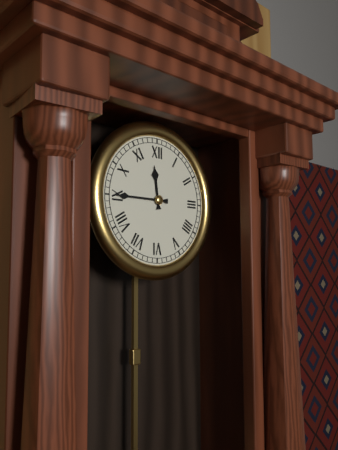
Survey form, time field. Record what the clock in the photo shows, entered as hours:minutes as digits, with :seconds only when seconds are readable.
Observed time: 11:45
